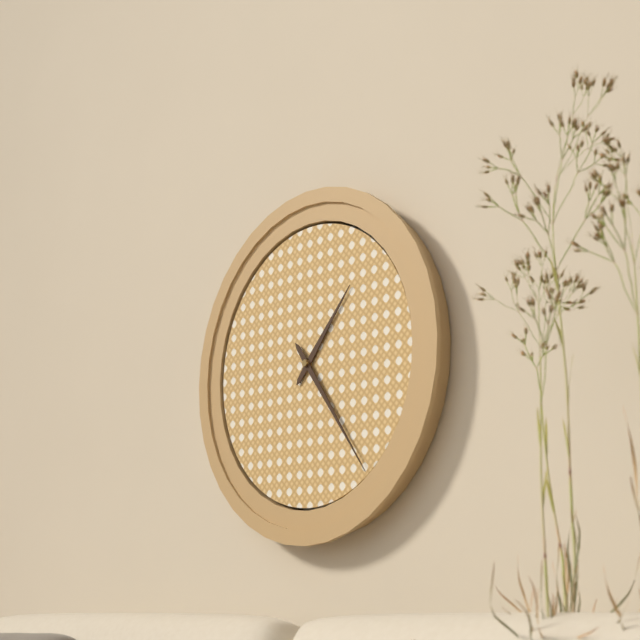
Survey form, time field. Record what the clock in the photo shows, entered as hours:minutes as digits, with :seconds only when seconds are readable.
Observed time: 1:24
